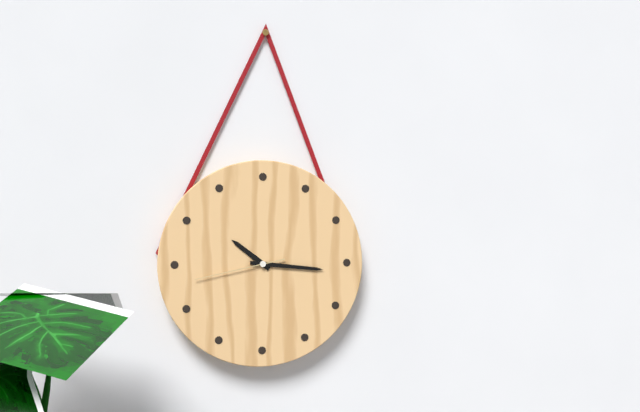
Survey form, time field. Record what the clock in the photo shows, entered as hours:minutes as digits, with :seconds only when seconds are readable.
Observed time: 10:16:43
